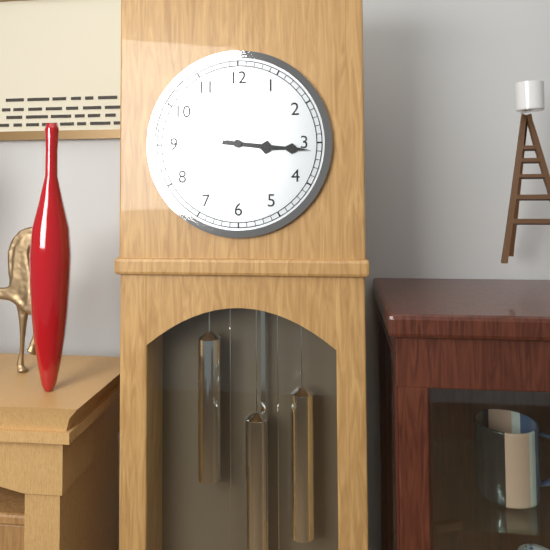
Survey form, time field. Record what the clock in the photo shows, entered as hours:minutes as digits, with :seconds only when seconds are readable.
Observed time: 3:16
